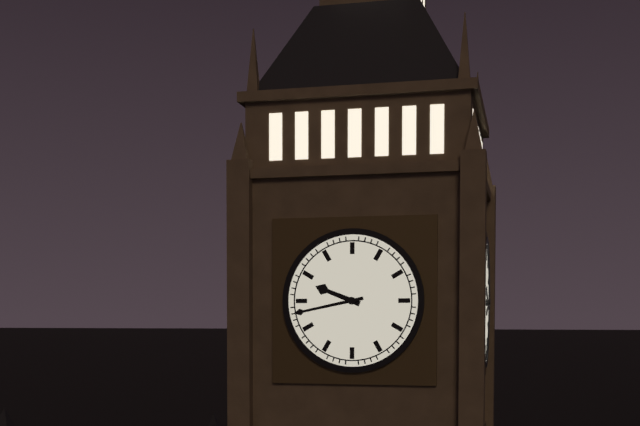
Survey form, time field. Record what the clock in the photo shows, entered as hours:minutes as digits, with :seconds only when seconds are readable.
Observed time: 9:43
